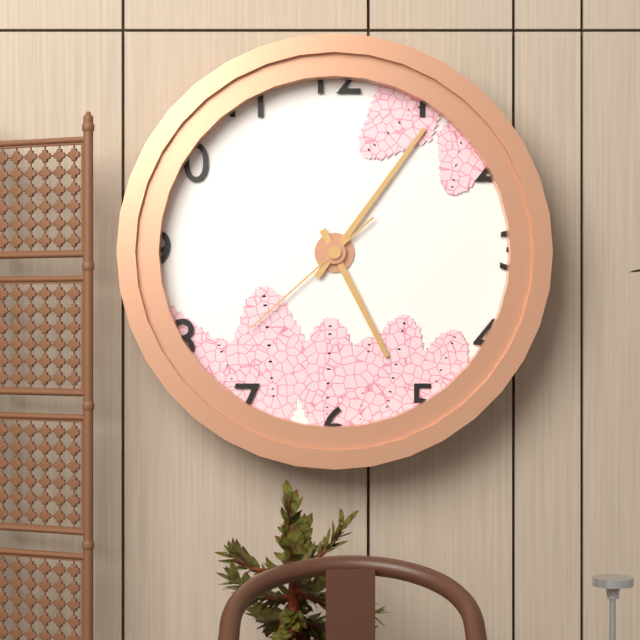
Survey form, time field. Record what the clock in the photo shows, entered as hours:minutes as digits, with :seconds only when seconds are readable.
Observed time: 5:06:38
